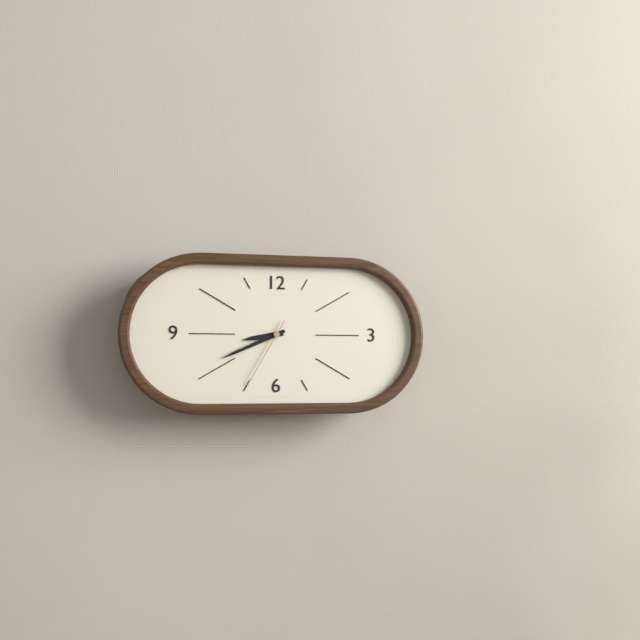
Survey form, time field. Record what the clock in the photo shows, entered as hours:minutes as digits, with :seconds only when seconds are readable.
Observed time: 8:41:35
